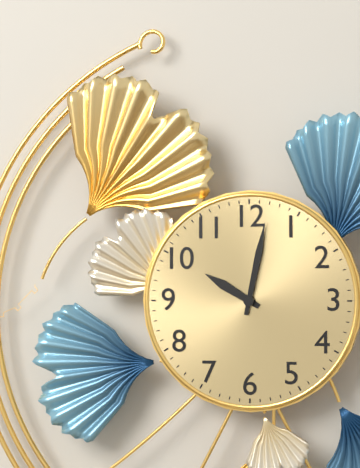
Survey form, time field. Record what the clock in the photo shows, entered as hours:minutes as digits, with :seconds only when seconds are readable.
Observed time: 10:02
